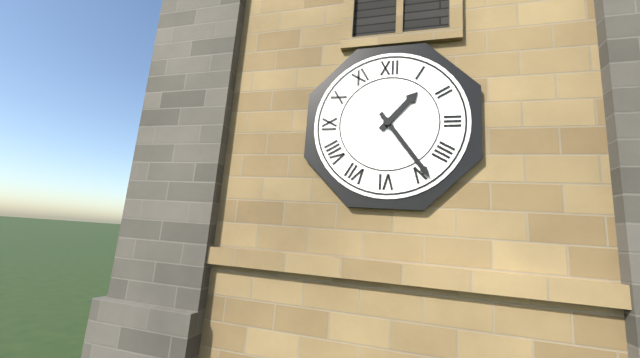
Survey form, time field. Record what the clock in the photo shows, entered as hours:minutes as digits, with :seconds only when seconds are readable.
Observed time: 1:24
